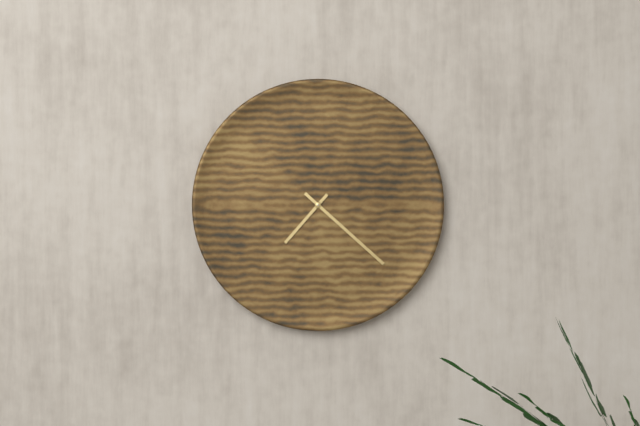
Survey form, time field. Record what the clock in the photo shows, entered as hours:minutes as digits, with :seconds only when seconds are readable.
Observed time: 7:22
